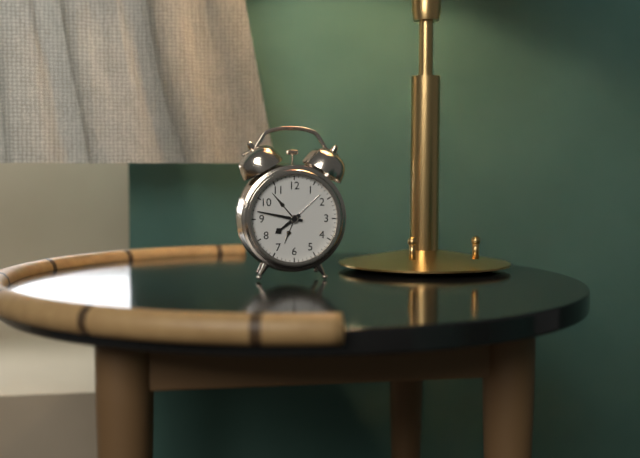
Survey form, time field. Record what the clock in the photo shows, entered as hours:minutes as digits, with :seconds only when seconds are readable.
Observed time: 7:47
